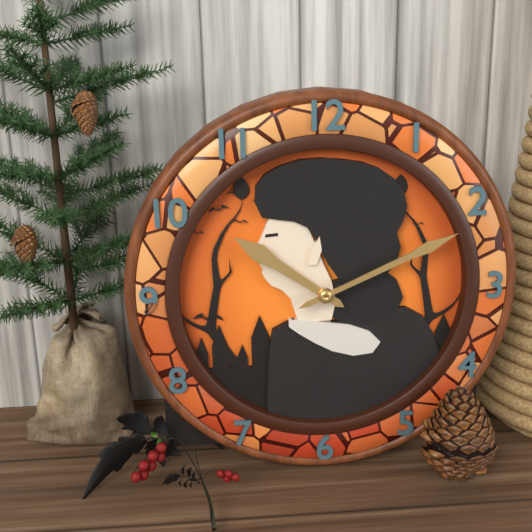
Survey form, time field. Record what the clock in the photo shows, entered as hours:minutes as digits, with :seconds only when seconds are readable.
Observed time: 10:11
